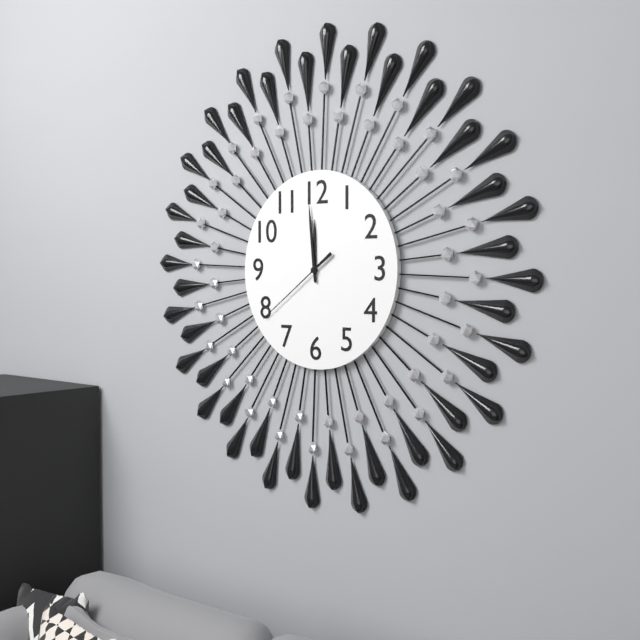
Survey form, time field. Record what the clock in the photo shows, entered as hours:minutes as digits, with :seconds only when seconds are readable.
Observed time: 11:59:39
